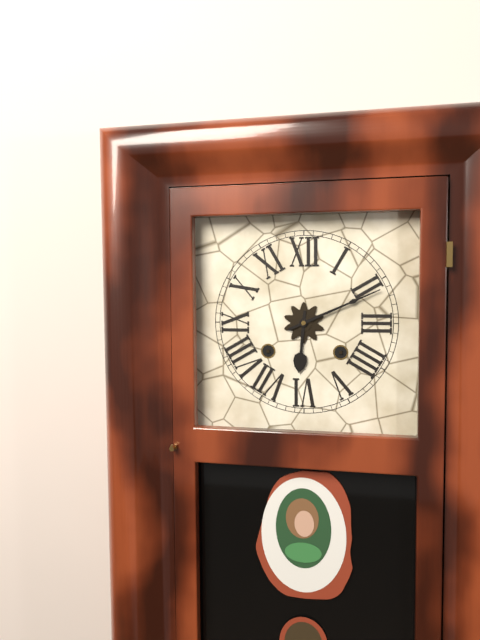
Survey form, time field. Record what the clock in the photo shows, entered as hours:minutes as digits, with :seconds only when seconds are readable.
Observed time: 6:11
